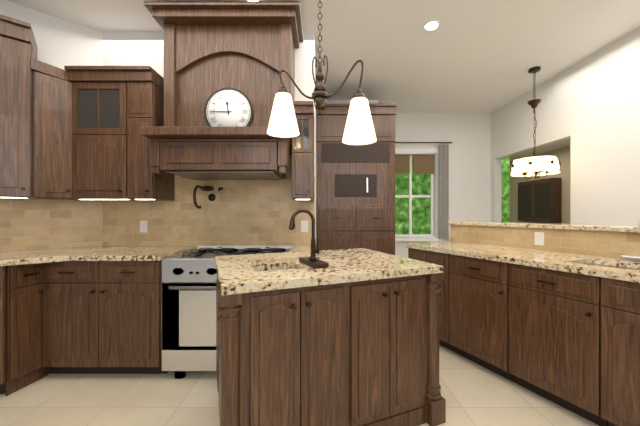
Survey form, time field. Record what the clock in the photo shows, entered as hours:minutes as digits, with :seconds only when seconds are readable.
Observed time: 11:45
